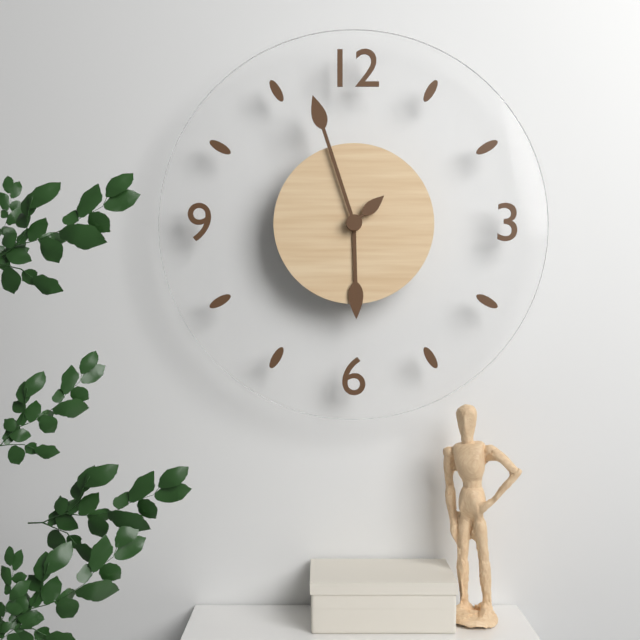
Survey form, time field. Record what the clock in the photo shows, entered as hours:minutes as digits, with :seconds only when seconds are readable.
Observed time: 5:57:08
